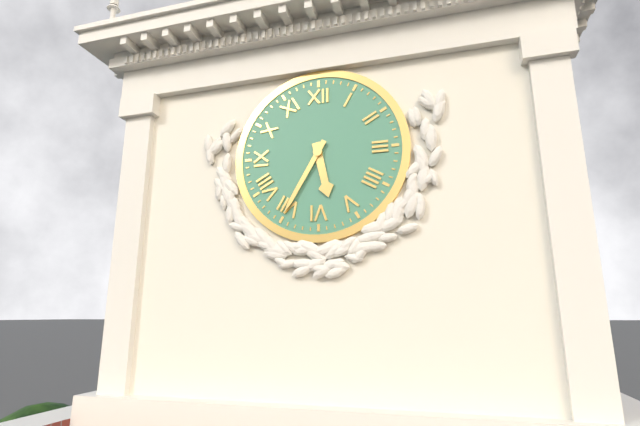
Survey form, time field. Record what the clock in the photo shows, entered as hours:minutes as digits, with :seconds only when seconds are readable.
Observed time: 5:35
